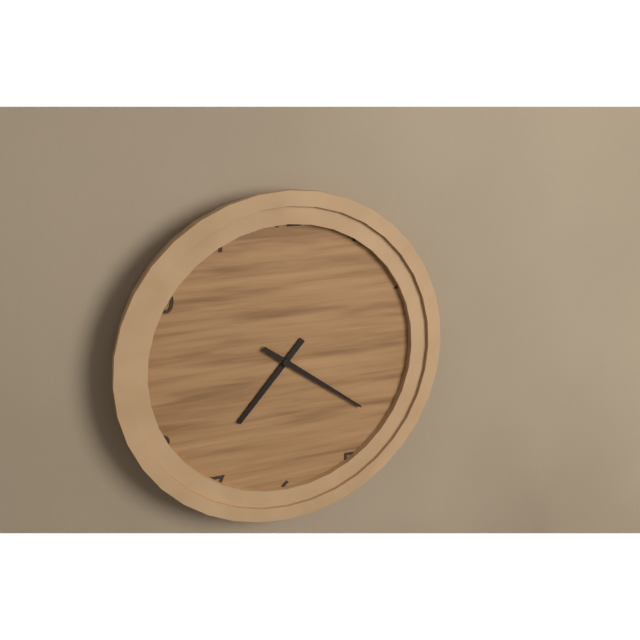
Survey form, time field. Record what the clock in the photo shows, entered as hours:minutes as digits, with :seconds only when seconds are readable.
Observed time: 7:21
